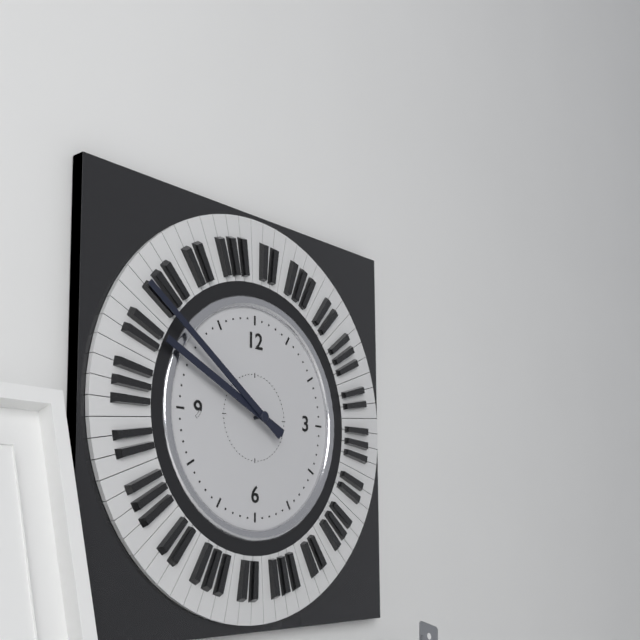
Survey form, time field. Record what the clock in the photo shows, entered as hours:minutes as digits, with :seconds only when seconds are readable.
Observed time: 9:51
